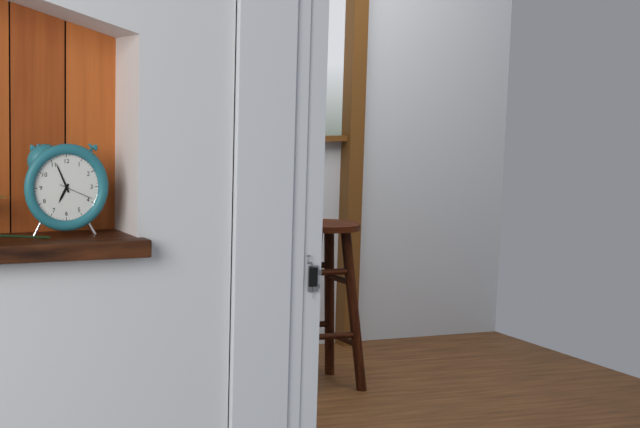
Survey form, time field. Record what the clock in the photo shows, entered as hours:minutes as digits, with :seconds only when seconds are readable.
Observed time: 6:56
